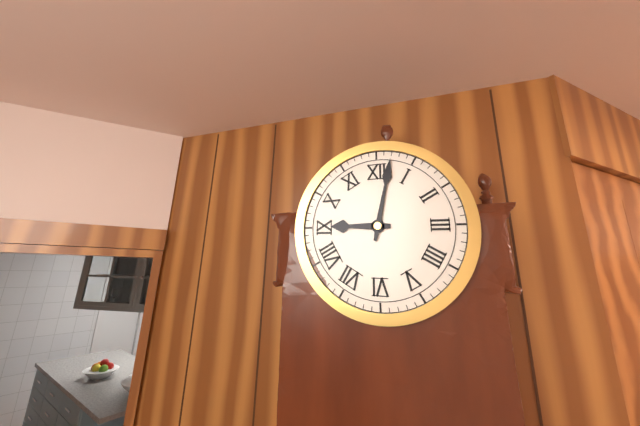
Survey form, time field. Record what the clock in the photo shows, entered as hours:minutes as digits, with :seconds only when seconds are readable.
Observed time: 9:02
